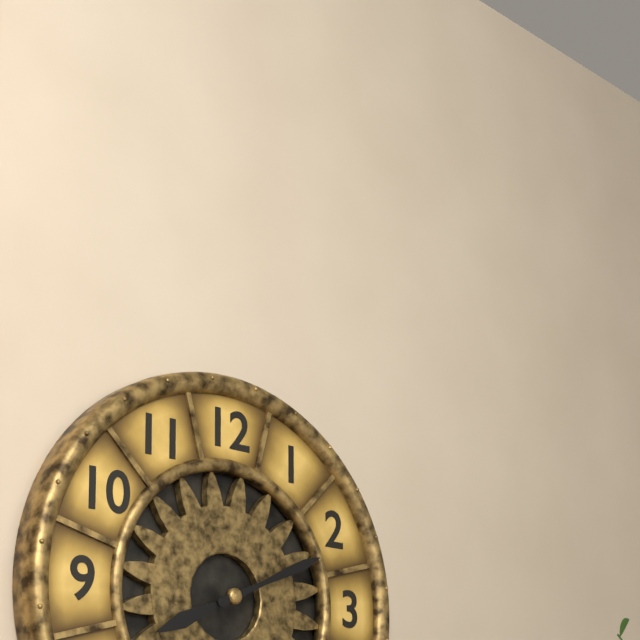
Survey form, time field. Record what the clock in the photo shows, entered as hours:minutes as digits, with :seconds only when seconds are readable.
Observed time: 8:11
